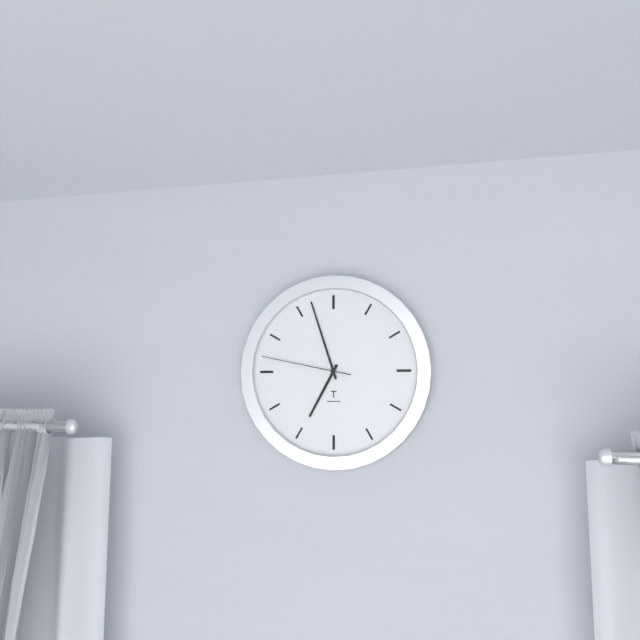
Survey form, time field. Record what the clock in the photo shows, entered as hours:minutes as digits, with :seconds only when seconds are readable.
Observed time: 6:57:47
